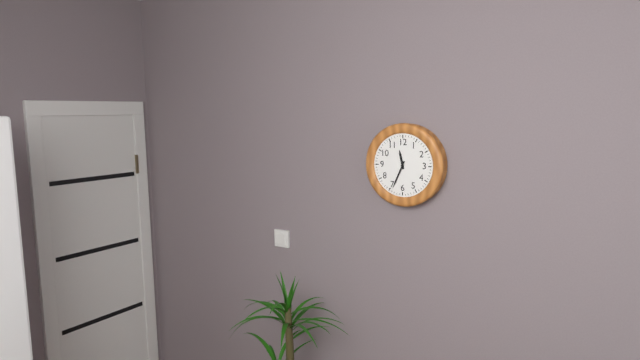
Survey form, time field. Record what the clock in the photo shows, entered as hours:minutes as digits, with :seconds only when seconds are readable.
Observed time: 11:34
